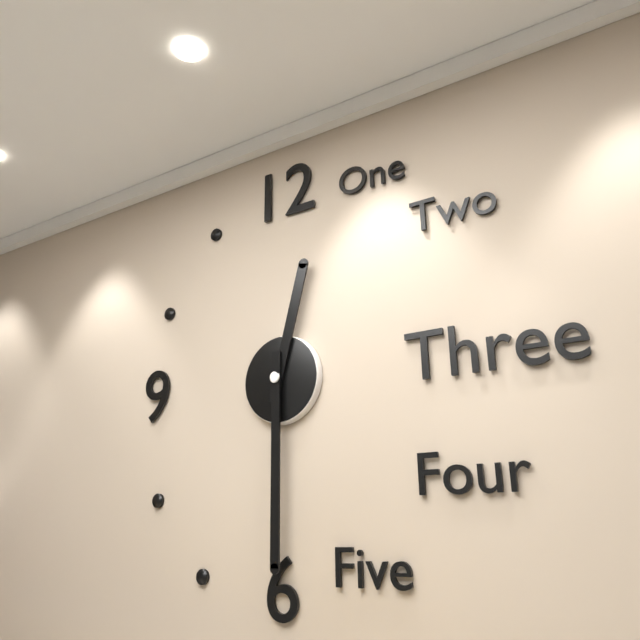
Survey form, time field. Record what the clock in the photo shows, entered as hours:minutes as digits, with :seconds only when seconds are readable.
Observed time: 12:30
